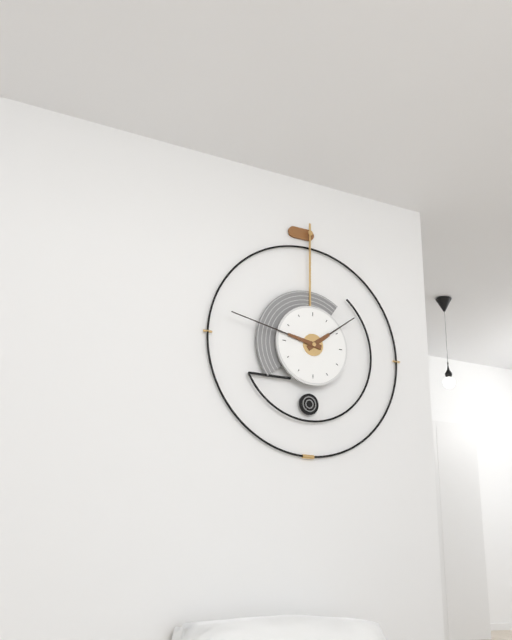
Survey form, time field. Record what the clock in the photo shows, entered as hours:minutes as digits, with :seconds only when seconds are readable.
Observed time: 1:47
